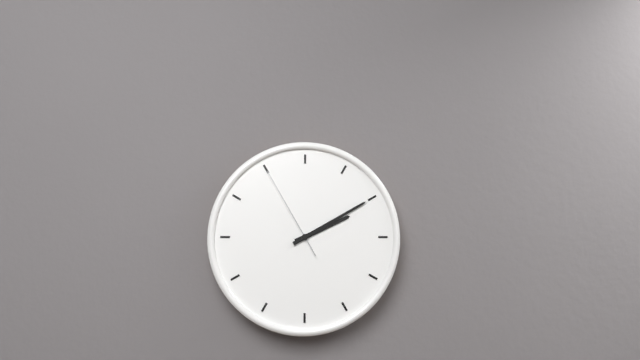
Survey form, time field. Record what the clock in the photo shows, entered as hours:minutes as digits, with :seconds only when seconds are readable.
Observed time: 2:10:55
